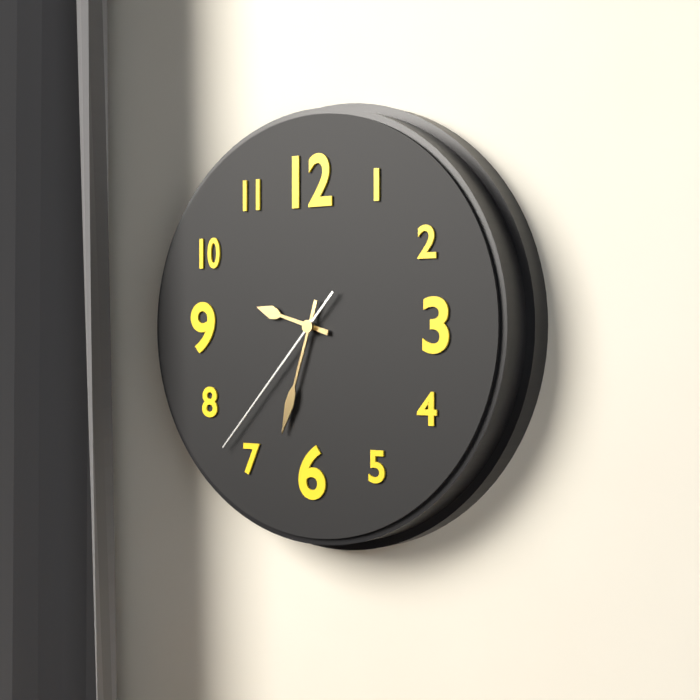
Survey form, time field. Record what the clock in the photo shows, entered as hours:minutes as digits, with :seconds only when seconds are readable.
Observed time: 9:33:37
